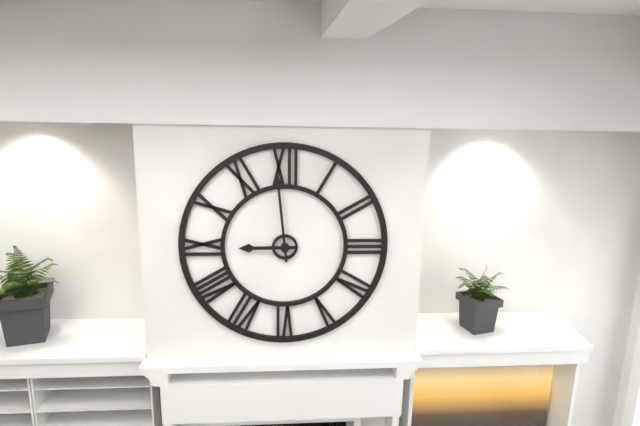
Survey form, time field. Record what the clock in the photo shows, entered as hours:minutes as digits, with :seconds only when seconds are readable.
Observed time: 8:59
